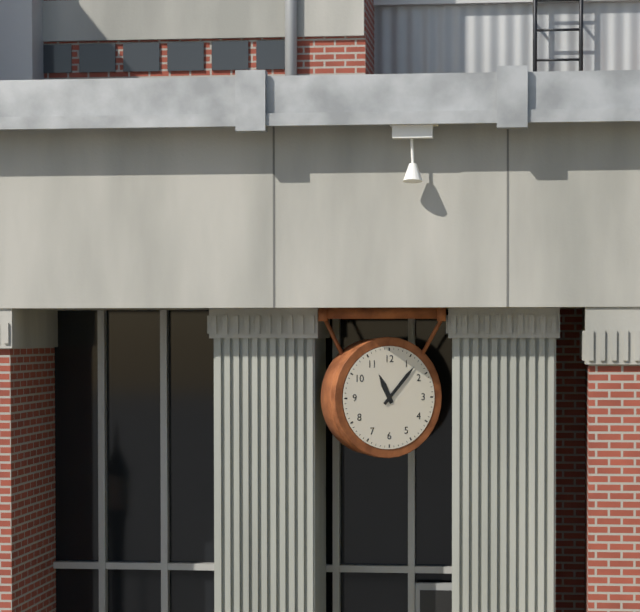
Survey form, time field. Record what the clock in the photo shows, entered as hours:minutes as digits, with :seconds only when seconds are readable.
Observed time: 11:07
